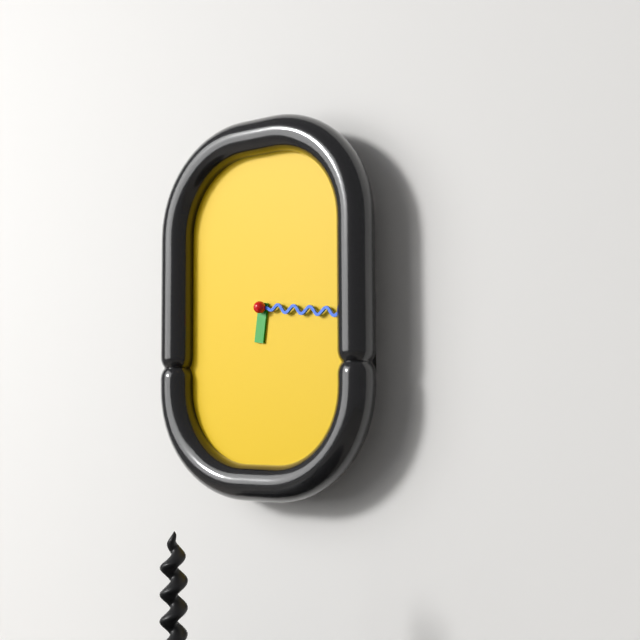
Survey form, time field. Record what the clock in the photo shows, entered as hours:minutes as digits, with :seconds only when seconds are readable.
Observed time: 6:16
